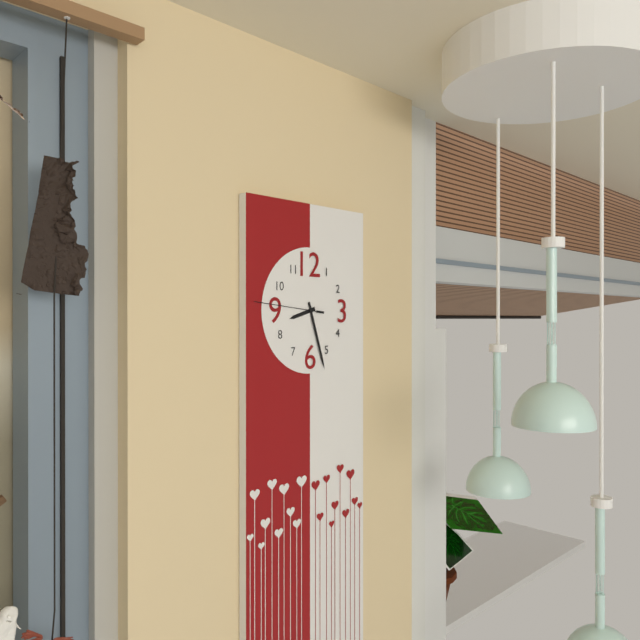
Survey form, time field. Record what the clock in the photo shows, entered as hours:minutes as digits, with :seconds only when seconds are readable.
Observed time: 8:27:46
